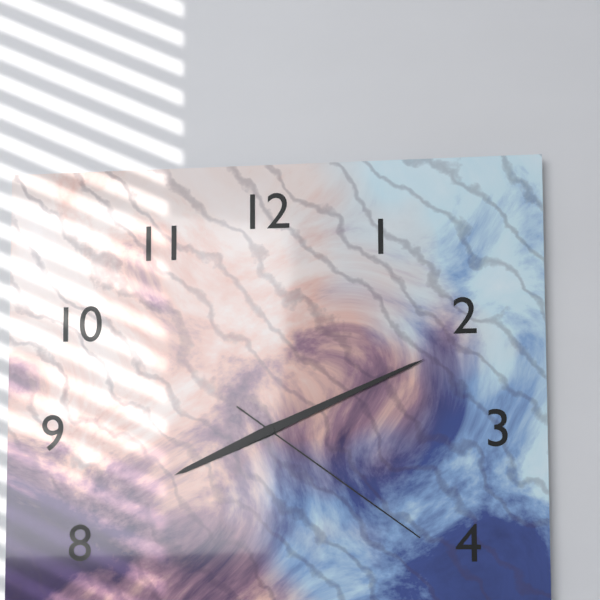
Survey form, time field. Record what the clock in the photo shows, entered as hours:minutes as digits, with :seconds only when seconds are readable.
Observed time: 8:11:21
